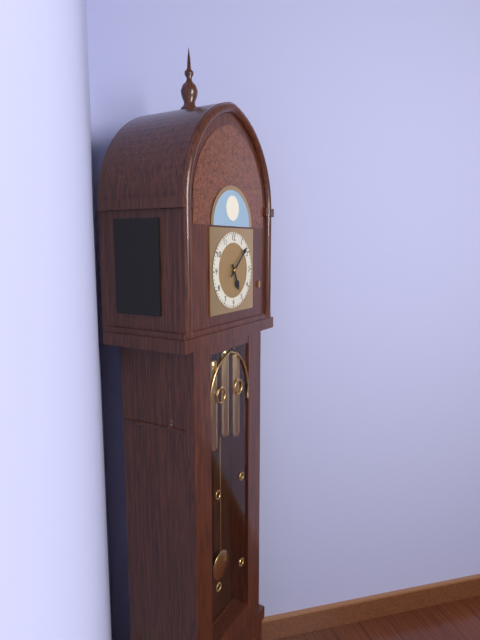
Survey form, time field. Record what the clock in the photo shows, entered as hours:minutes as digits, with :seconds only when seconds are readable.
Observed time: 5:08
